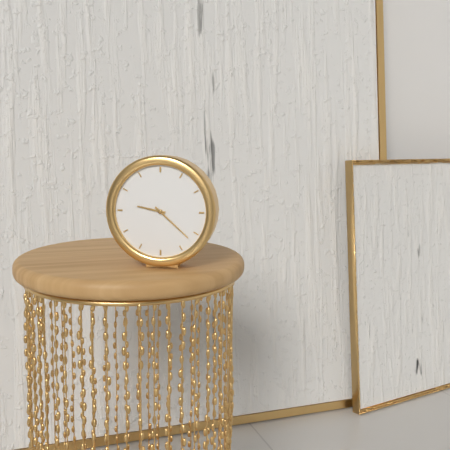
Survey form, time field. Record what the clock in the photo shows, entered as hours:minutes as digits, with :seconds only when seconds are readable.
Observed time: 9:22
